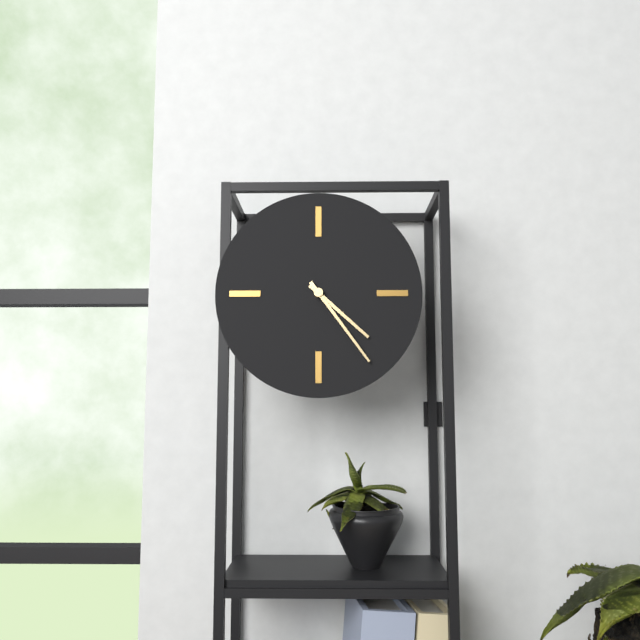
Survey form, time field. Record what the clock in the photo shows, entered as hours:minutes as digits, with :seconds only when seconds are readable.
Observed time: 4:24
